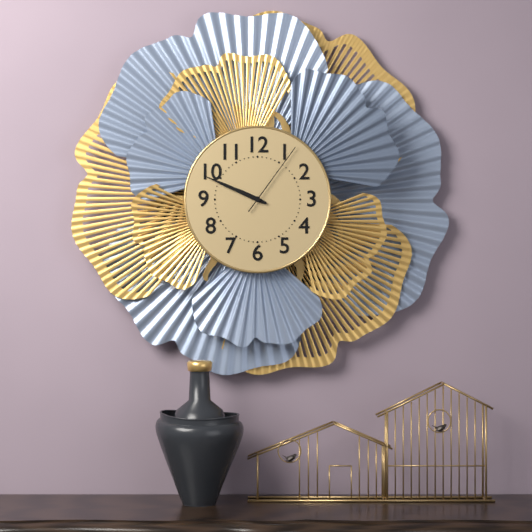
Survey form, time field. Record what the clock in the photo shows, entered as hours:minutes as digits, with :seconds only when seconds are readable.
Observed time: 9:49:06
